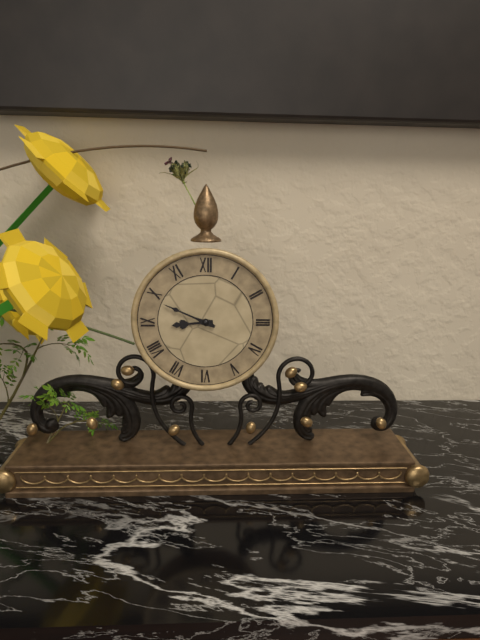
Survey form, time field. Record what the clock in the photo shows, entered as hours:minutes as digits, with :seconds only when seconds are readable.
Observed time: 8:49
